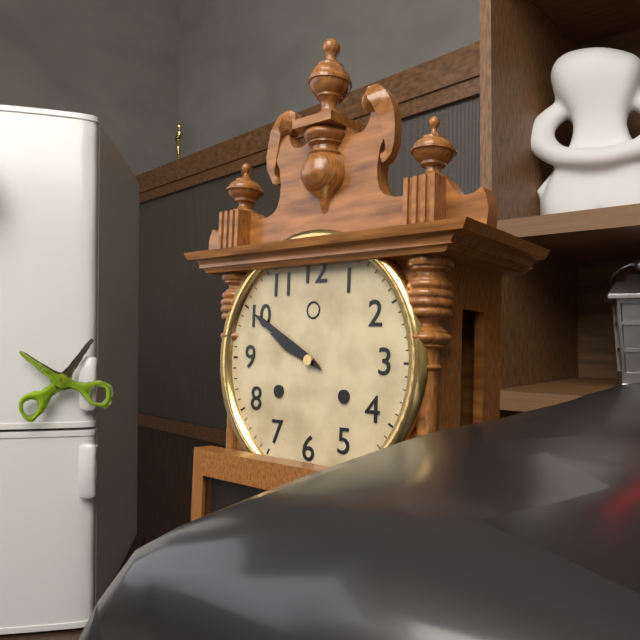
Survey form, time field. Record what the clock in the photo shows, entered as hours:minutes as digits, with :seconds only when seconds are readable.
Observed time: 9:50
